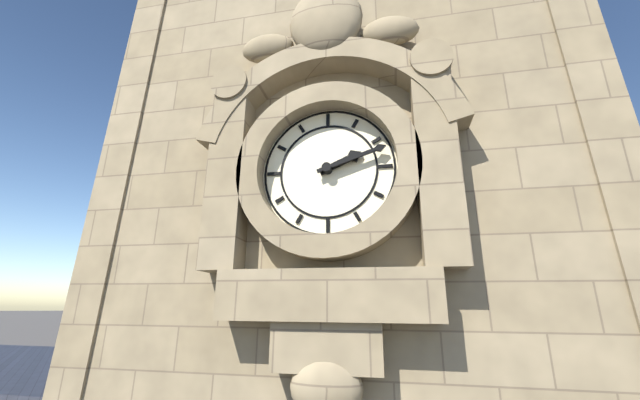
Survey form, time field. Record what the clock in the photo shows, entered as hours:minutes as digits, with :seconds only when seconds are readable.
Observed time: 2:12
